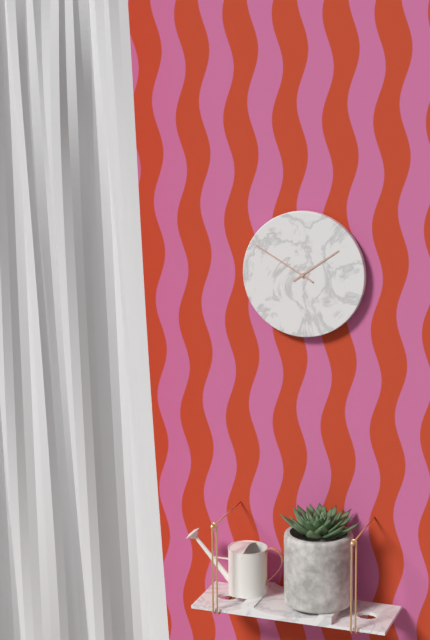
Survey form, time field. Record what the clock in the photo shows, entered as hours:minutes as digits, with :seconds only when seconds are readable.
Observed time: 1:50
